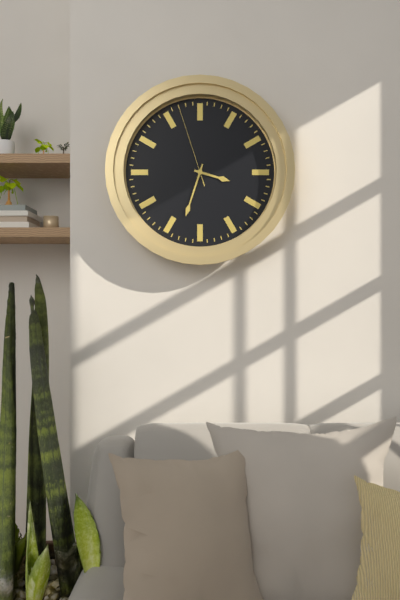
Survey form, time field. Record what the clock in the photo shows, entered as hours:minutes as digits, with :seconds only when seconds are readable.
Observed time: 3:33:57
